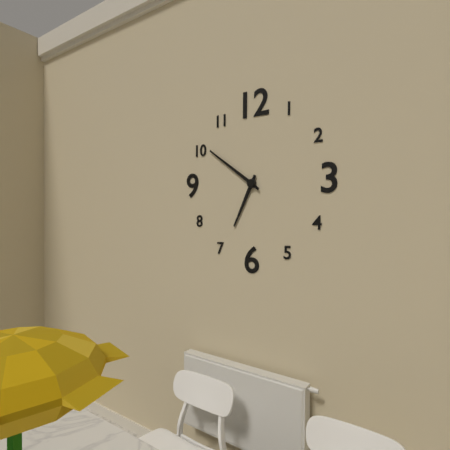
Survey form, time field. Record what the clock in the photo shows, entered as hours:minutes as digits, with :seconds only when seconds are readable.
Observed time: 6:51
